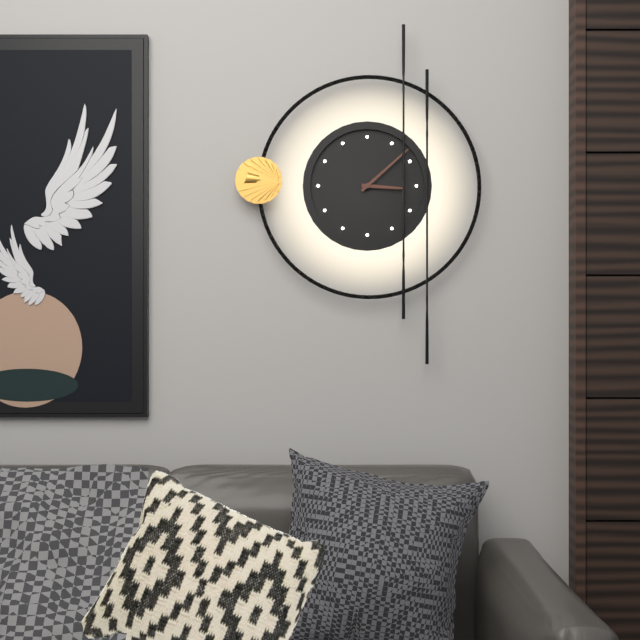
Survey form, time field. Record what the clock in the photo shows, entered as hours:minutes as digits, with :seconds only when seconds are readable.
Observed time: 3:08
